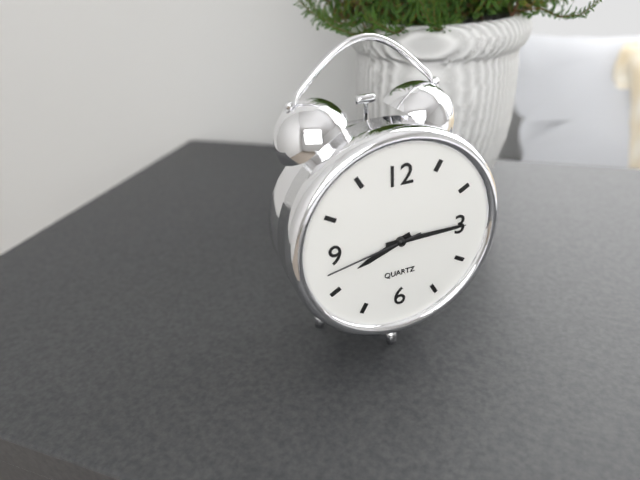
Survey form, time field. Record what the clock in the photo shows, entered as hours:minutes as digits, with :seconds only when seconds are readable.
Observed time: 8:15:43
